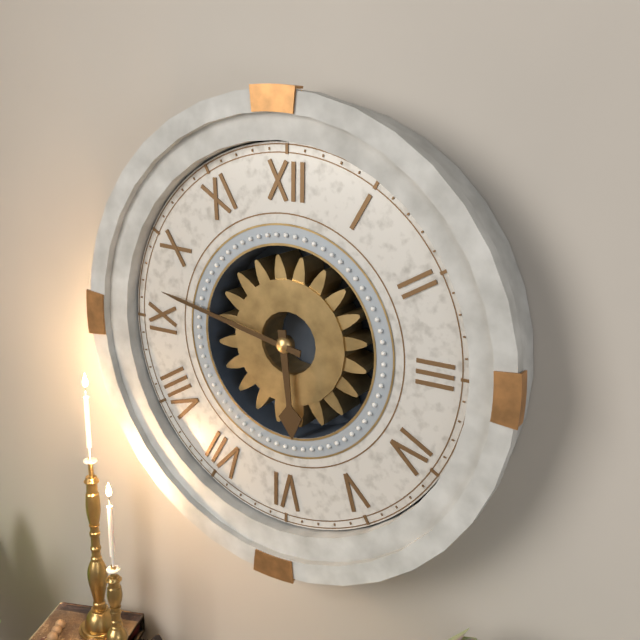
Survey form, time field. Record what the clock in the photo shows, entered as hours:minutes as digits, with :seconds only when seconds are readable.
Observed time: 5:47
